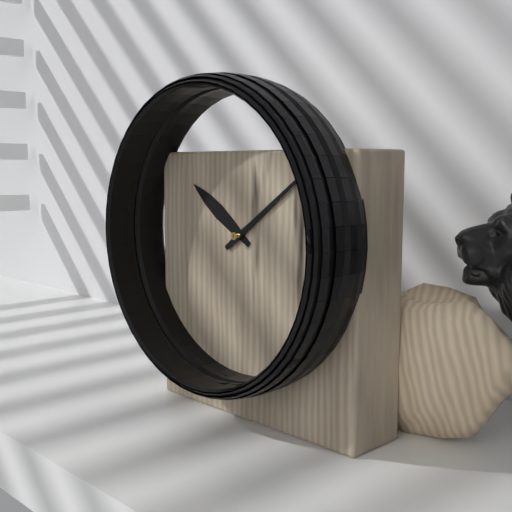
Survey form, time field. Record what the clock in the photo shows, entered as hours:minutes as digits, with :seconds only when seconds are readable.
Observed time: 10:09
